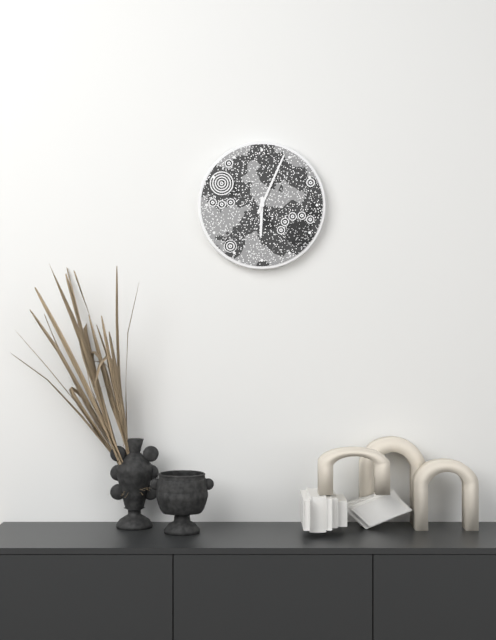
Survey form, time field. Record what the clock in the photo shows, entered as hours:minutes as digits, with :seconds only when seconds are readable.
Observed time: 6:04
